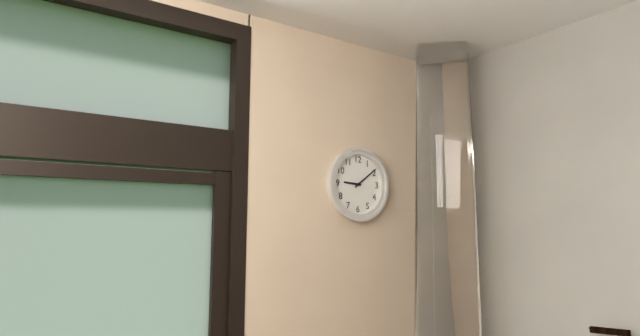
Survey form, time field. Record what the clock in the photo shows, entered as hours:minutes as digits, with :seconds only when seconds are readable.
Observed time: 9:09
